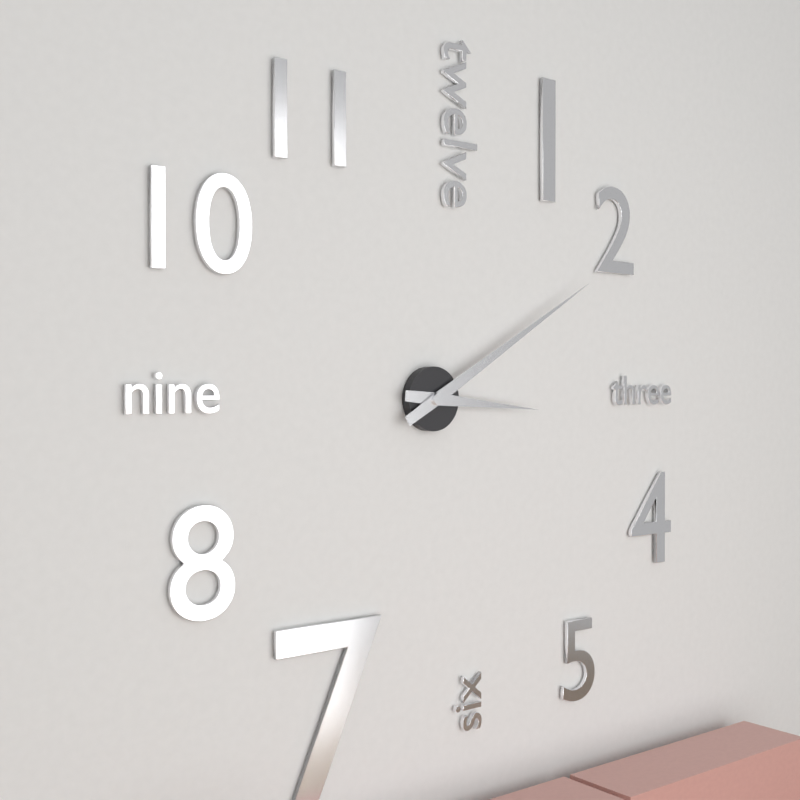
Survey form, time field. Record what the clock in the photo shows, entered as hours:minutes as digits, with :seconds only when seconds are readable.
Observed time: 3:10
